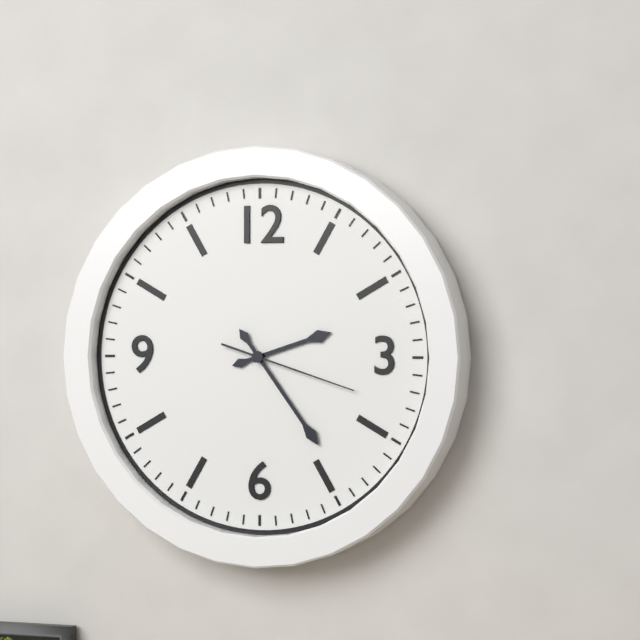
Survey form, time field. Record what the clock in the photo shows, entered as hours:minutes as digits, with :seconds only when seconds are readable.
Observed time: 2:24:18
